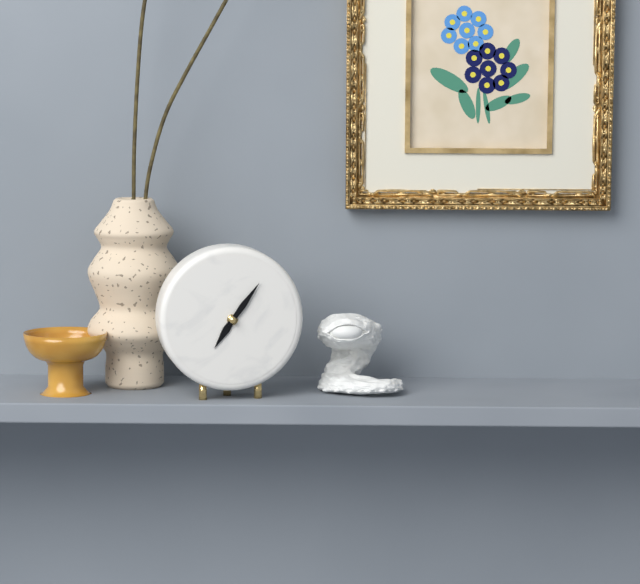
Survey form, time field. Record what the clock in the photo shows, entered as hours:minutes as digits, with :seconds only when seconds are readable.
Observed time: 7:06
